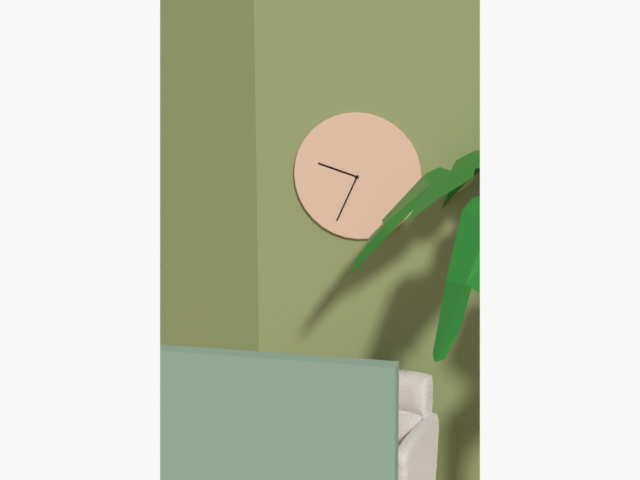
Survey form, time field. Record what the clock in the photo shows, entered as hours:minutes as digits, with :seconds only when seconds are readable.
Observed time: 9:34
